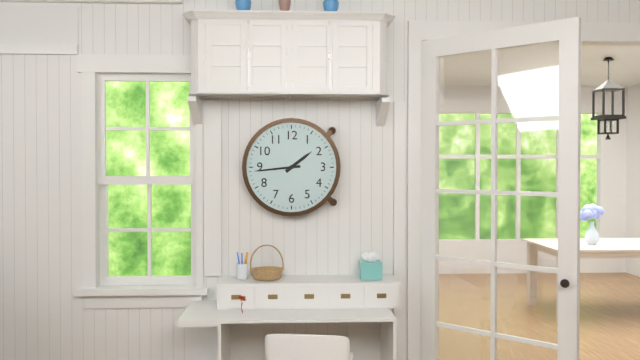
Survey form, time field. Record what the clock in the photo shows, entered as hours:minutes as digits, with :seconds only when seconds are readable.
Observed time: 1:44
